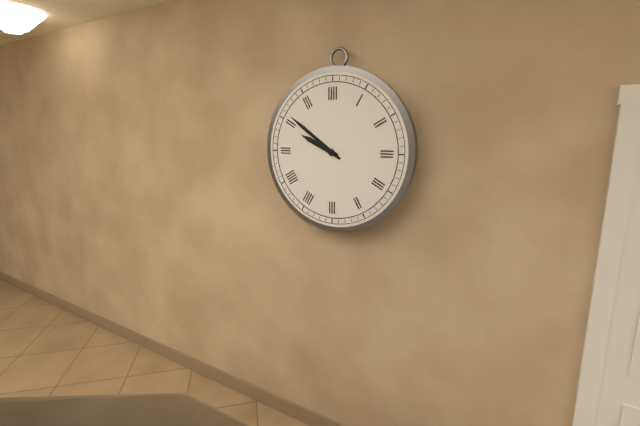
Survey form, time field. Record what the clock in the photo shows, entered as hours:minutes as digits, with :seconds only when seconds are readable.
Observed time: 9:51
